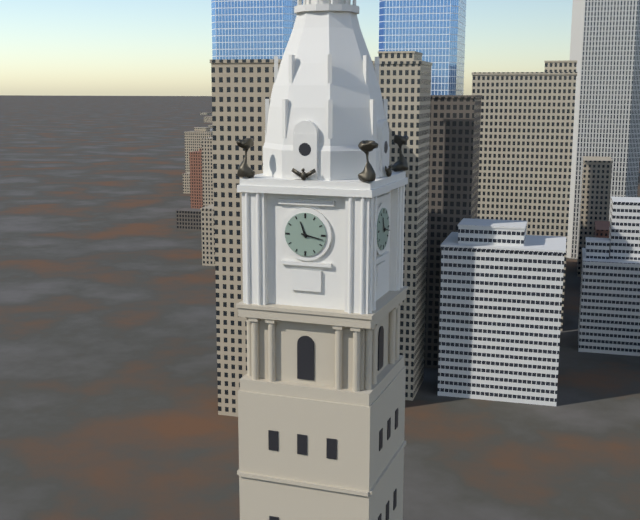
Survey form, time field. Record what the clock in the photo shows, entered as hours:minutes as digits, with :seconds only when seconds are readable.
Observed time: 11:17
